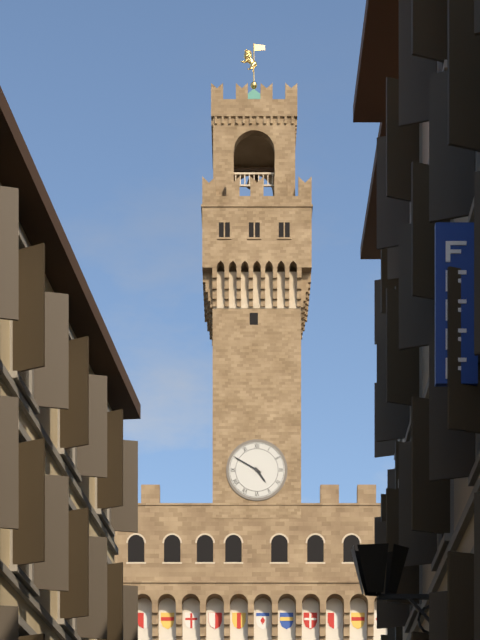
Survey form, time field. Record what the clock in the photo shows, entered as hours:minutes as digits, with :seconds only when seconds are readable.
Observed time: 4:50
